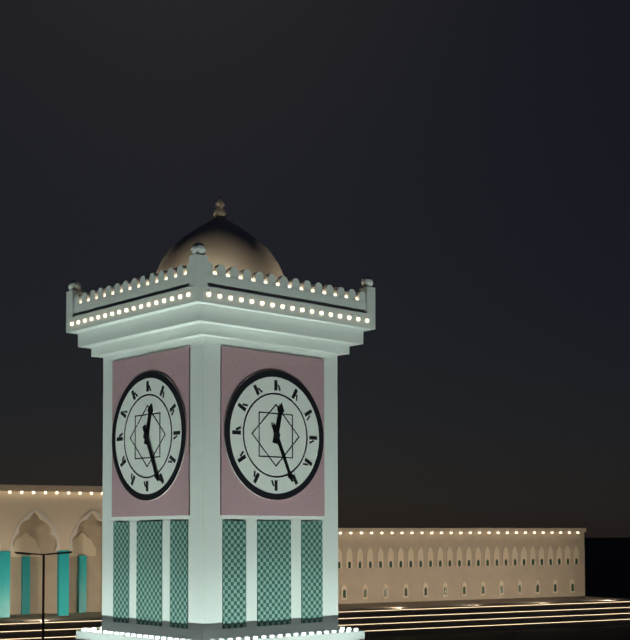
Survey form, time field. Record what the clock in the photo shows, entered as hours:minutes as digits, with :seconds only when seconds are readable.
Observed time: 12:26
